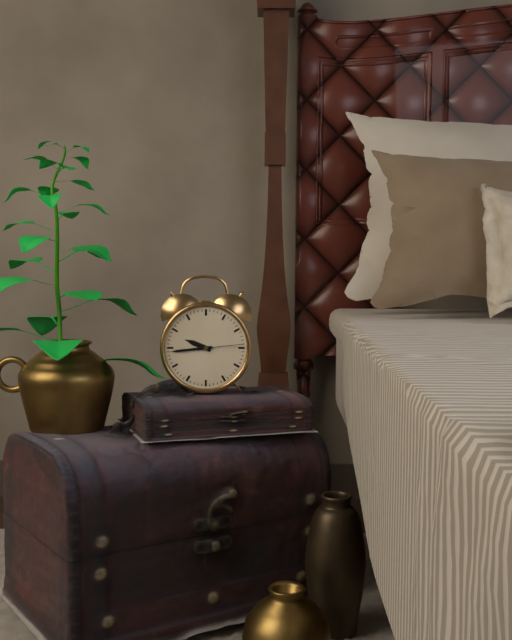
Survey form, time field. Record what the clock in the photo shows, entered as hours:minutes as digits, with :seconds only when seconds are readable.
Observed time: 9:44
